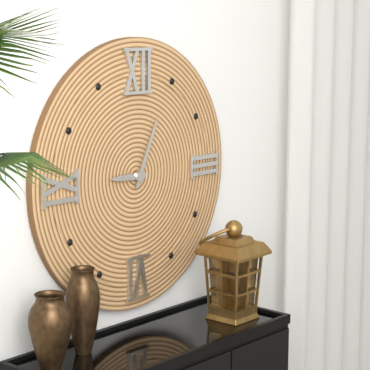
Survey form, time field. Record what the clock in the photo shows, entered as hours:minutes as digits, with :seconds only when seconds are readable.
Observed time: 9:04
